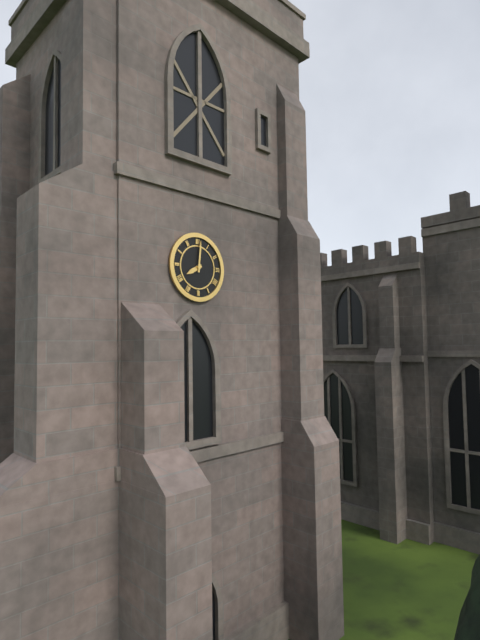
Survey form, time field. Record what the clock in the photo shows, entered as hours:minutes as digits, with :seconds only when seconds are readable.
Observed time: 8:01
